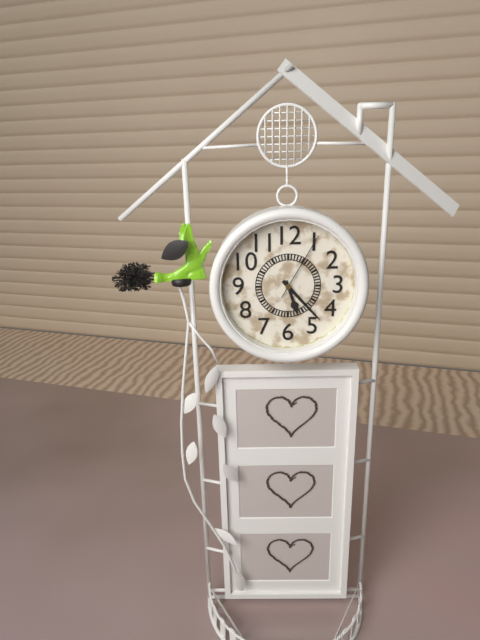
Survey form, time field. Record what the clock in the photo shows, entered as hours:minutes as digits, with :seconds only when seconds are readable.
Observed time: 5:23:05
